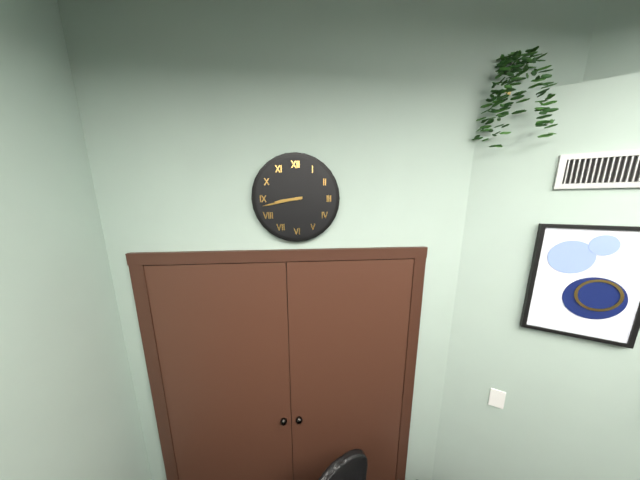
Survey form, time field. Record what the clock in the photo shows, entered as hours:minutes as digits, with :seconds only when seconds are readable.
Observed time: 8:43
